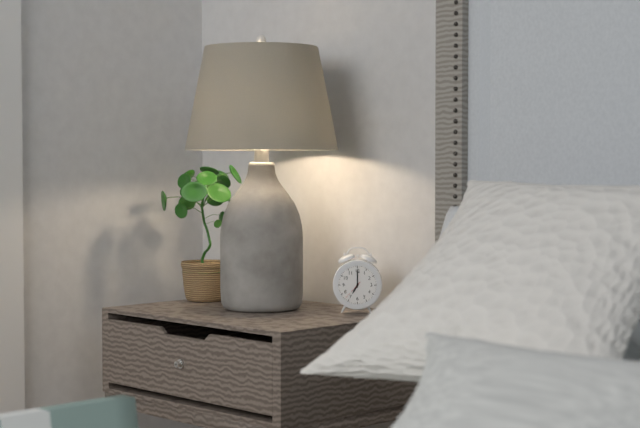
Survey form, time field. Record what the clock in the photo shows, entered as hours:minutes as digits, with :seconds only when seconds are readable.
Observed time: 7:00
